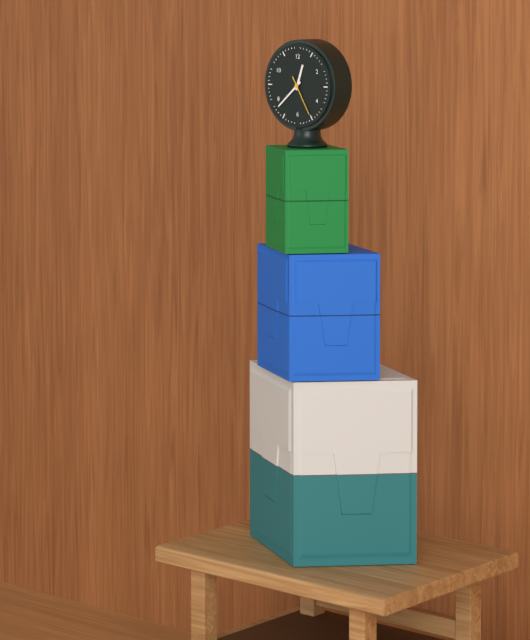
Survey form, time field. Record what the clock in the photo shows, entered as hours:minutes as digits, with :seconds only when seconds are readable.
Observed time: 12:38
